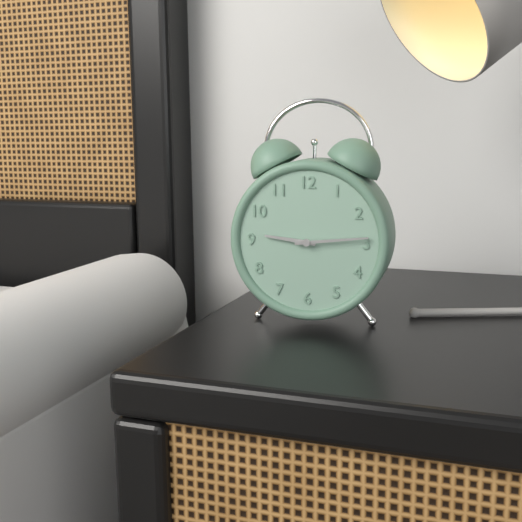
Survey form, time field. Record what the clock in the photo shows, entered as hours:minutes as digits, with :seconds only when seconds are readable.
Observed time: 9:14
